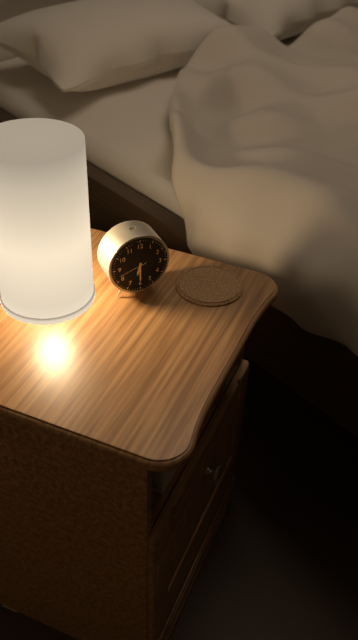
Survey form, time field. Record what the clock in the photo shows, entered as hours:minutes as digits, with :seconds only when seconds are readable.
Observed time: 6:30
